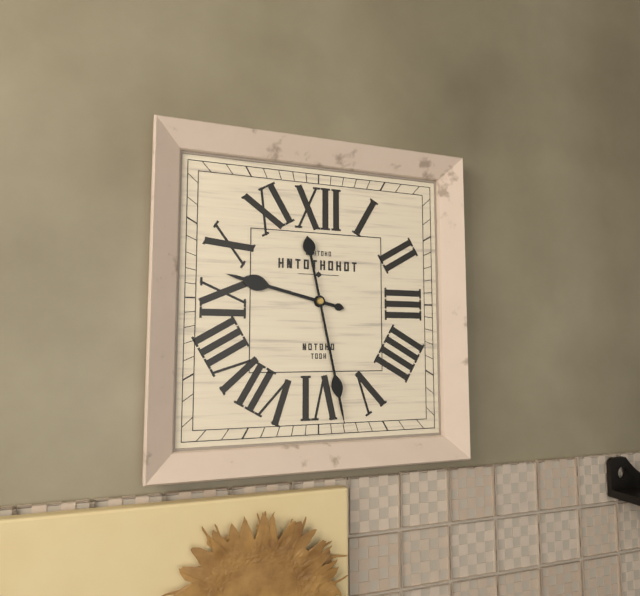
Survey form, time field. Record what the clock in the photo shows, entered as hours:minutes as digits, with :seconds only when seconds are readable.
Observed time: 9:28
